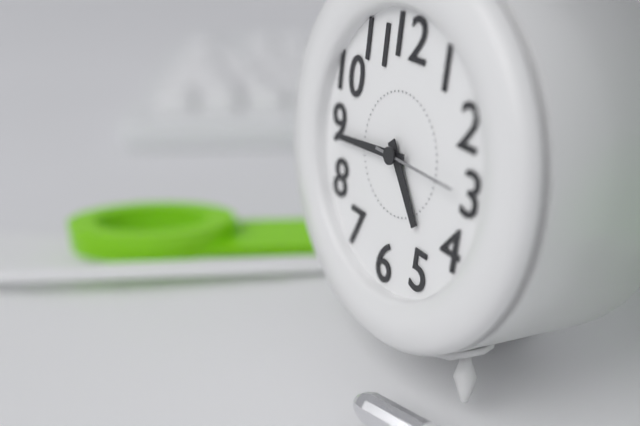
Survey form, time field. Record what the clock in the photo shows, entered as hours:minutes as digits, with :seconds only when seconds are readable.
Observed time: 4:44:15
